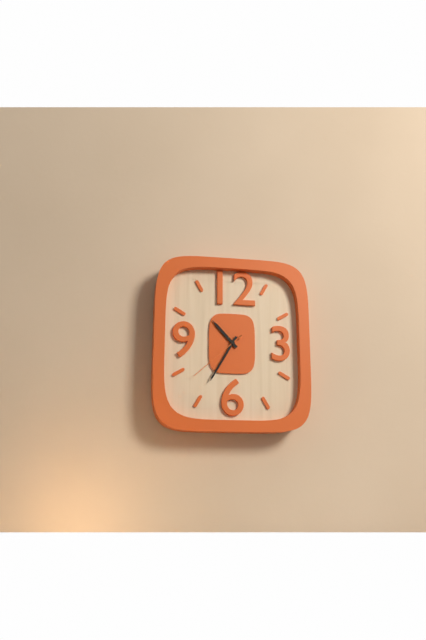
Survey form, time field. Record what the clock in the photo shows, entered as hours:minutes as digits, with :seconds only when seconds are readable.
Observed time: 10:35:38
